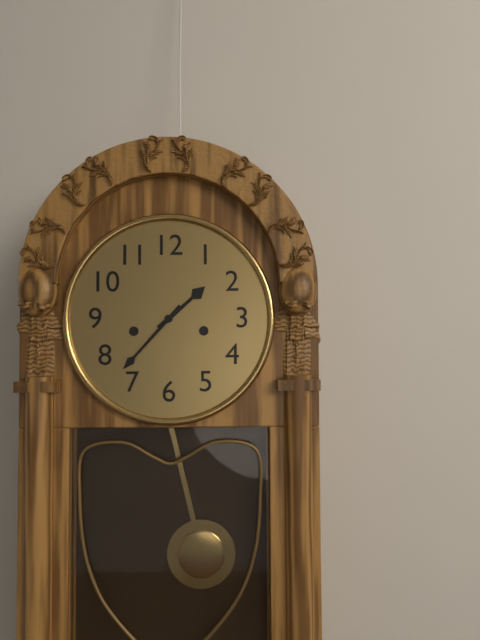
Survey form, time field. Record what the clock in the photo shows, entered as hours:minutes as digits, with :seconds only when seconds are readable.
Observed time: 1:37
